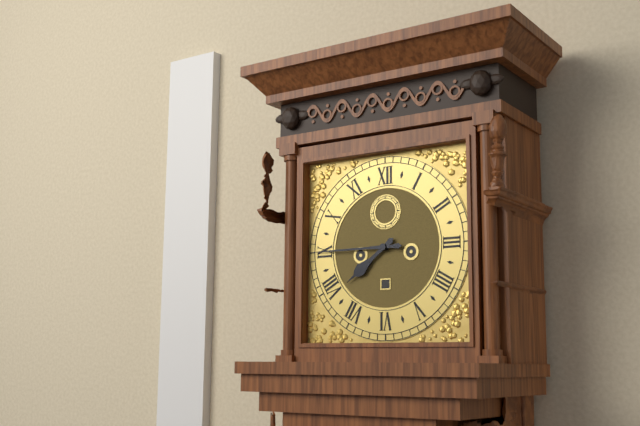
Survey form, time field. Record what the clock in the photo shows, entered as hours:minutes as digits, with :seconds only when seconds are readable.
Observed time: 7:45
